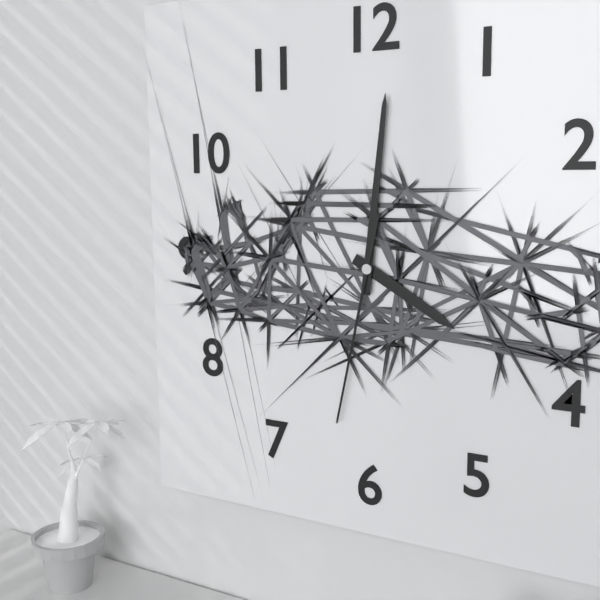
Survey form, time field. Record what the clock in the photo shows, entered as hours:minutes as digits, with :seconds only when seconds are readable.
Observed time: 4:01:32
